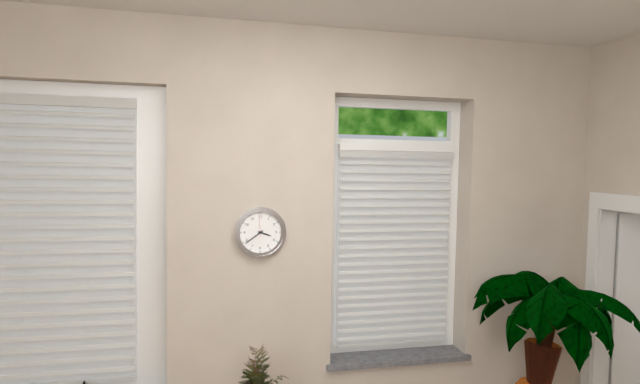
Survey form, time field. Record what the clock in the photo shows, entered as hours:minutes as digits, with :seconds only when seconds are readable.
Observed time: 3:39
